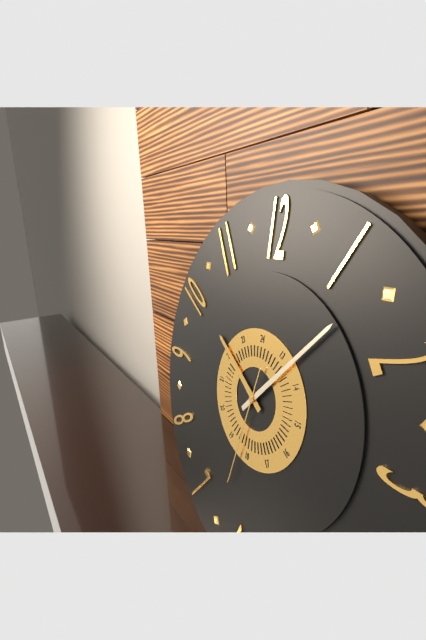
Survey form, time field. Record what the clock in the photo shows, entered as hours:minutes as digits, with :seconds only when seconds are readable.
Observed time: 10:07:32
